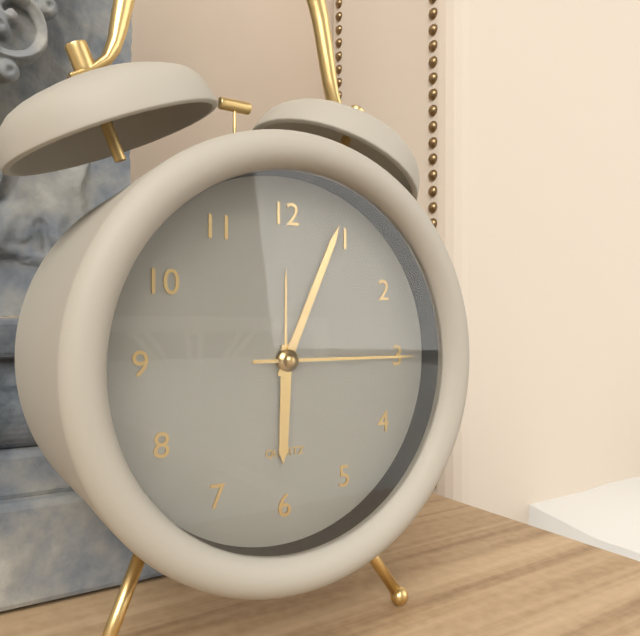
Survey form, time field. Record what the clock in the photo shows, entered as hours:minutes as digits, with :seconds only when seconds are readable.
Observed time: 6:04:15
